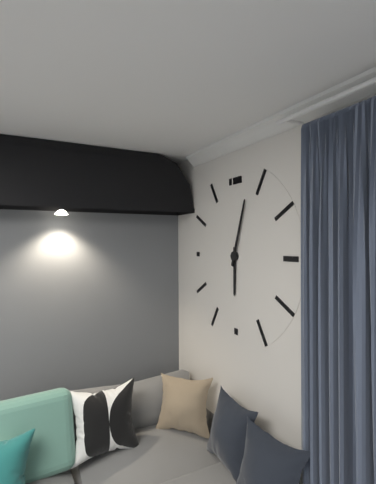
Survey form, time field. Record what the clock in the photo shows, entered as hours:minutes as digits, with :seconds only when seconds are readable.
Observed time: 6:03
